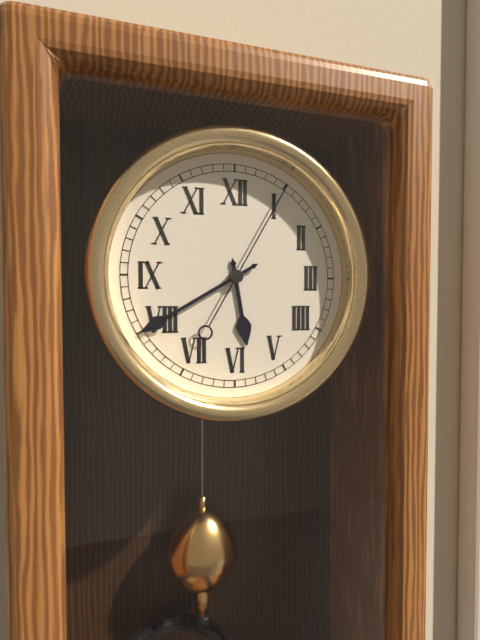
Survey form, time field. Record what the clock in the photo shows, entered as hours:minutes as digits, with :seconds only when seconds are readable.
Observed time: 5:40:05
